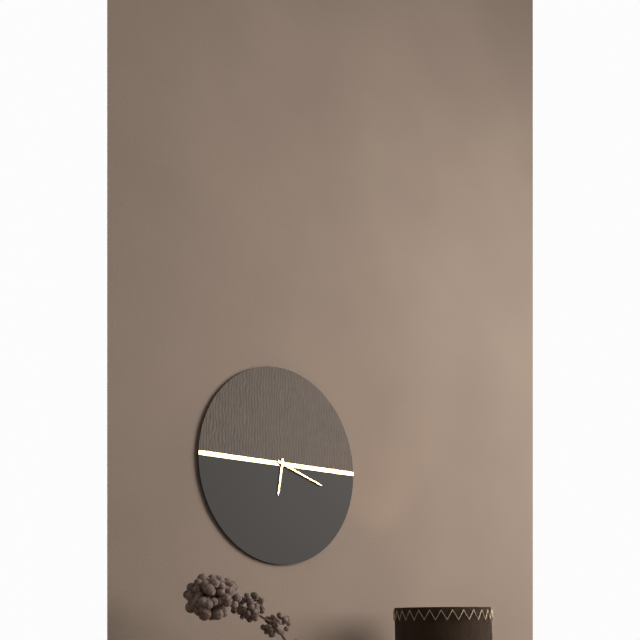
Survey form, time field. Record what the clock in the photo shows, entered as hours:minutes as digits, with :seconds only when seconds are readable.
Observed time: 6:18
